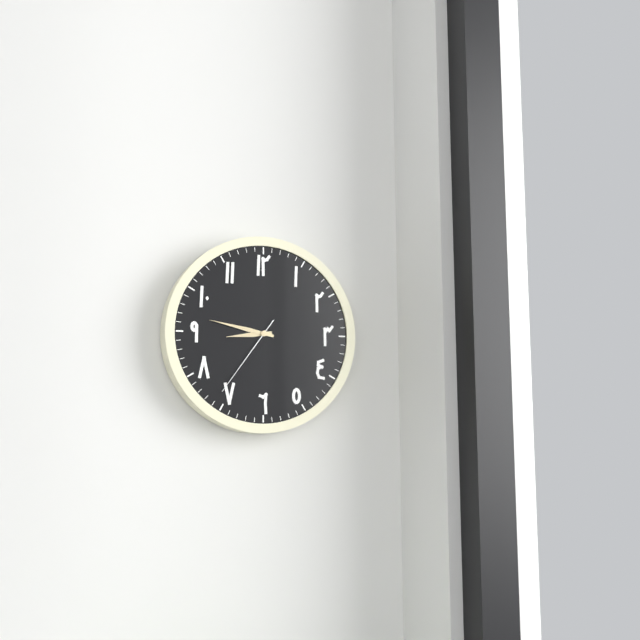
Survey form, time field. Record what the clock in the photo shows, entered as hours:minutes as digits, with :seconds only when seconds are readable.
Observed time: 8:47:36
